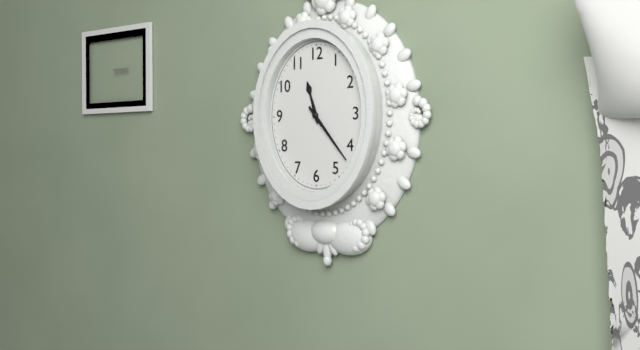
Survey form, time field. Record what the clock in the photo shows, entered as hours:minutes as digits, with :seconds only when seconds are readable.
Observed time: 11:23
